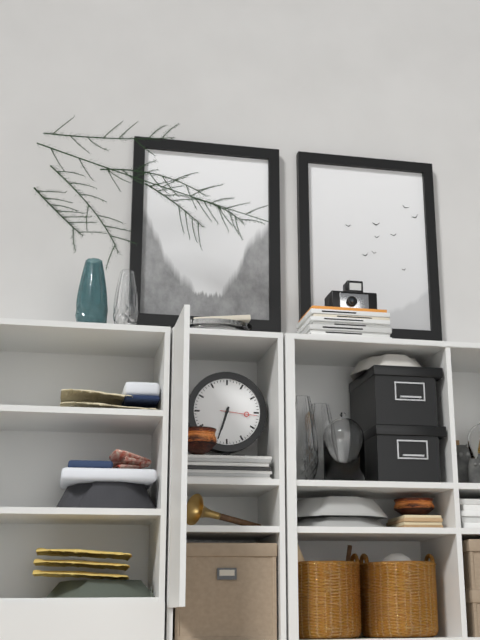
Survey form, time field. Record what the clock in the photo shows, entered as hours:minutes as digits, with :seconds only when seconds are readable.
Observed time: 6:33
